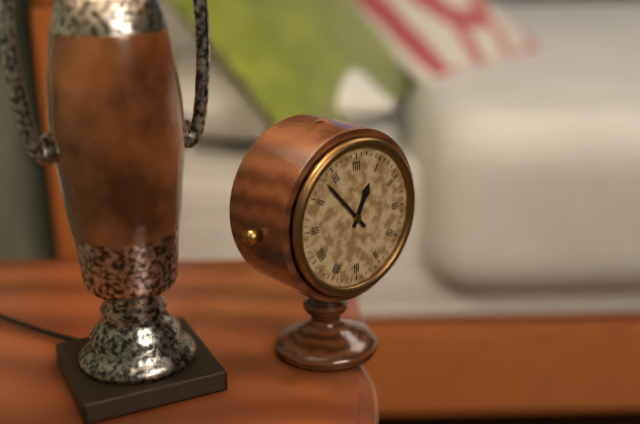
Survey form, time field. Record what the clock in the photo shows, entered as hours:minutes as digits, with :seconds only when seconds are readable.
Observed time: 12:53
